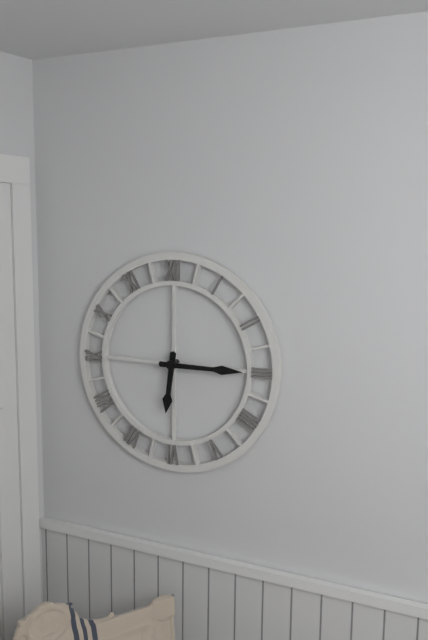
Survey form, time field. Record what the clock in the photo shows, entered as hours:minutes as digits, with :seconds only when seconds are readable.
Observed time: 6:15
